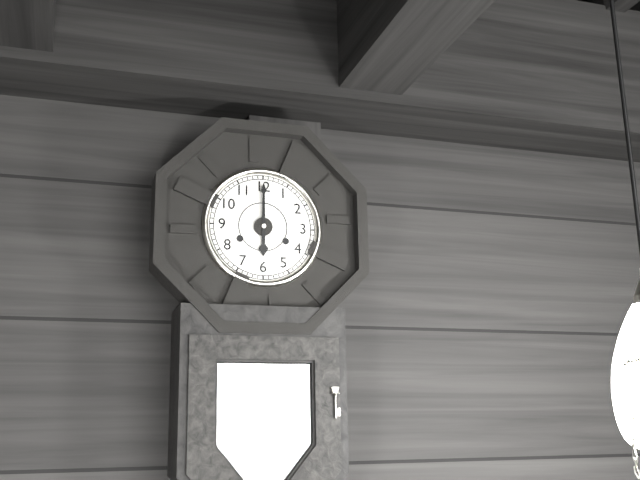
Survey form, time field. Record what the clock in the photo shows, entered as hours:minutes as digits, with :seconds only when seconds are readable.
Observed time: 6:00
